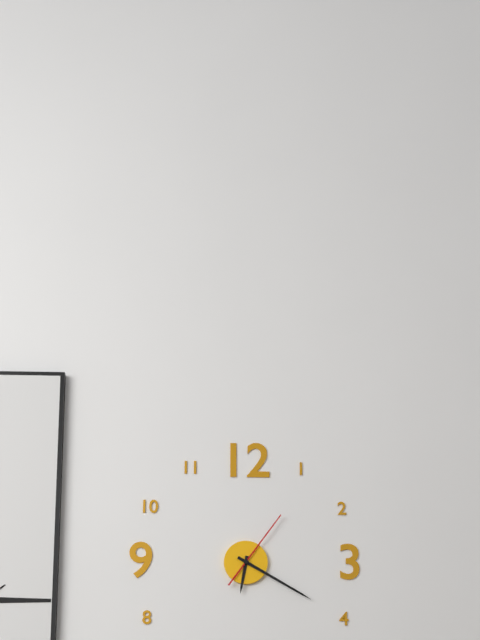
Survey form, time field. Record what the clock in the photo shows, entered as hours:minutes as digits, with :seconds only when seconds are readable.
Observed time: 6:20:06
